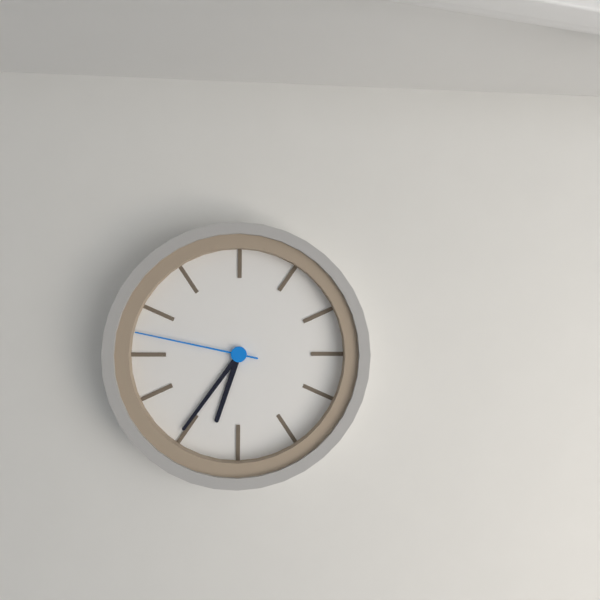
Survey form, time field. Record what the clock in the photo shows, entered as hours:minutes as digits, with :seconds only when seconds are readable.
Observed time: 6:36:47
